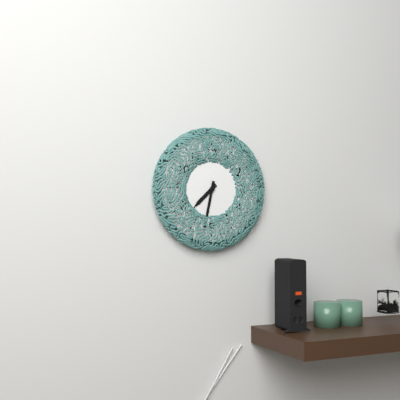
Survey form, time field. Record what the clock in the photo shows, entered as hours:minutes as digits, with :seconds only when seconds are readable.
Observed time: 7:32
